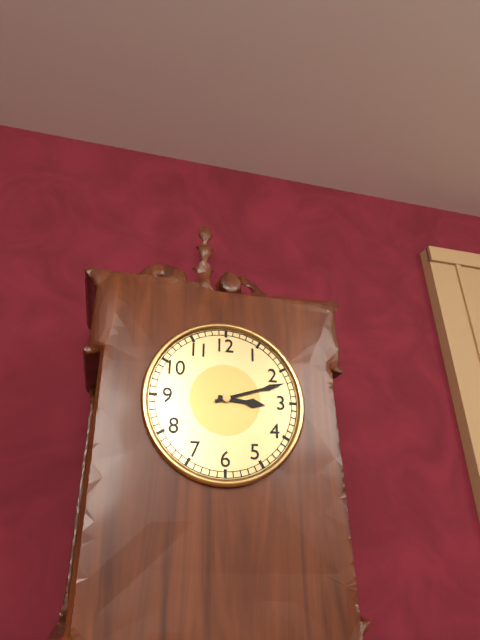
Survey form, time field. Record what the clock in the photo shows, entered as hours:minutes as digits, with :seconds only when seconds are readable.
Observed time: 3:12
